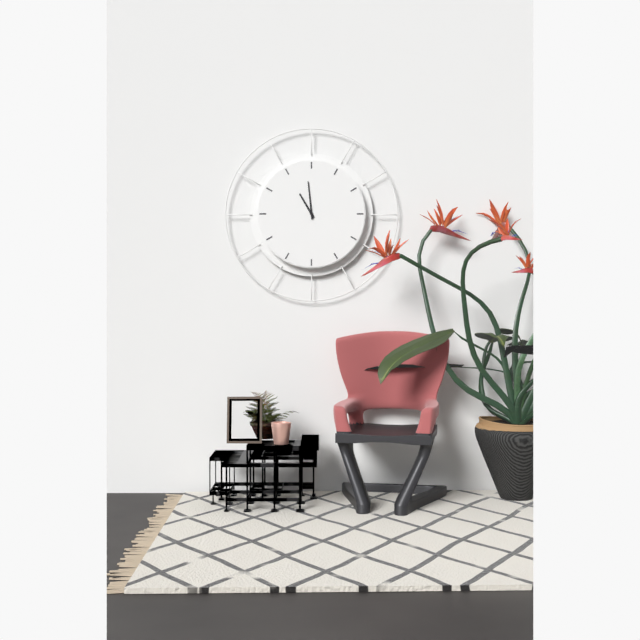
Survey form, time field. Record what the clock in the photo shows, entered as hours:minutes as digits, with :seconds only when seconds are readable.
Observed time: 10:59
